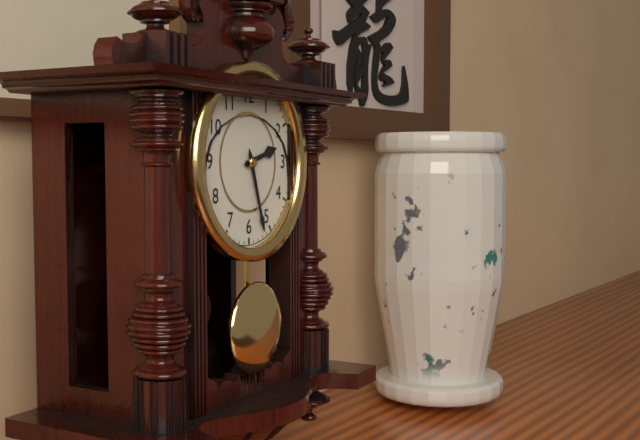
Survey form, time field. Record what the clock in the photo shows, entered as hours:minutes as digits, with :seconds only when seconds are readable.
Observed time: 2:27
